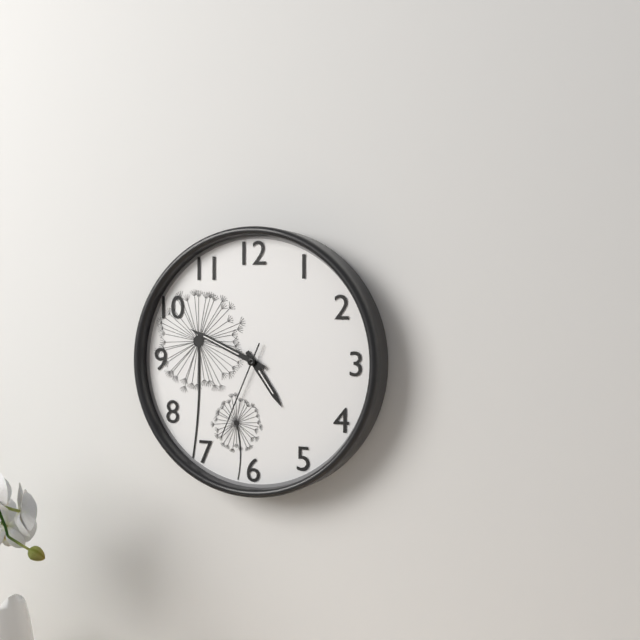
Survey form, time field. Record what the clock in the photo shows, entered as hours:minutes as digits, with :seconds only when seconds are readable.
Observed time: 4:49:34
